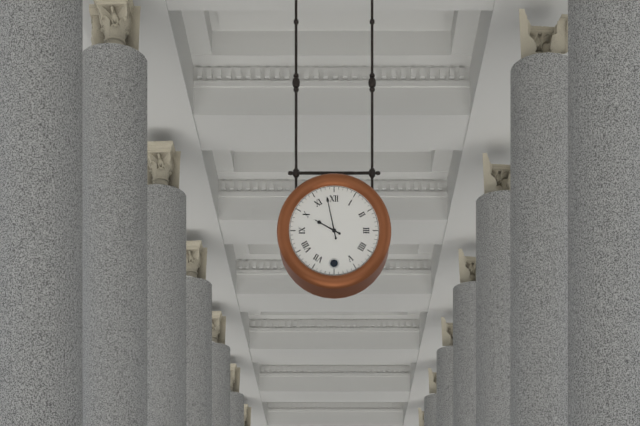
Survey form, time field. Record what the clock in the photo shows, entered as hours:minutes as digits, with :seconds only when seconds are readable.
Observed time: 9:58
